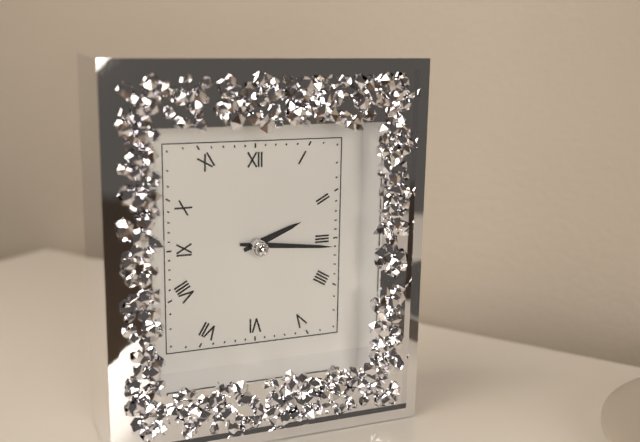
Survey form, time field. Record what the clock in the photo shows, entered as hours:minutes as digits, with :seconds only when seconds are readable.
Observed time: 2:16
